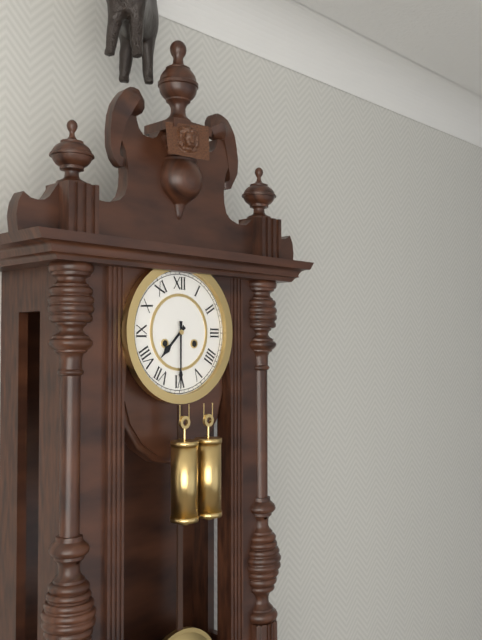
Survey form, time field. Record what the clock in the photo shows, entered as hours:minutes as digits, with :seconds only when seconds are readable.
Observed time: 7:30
